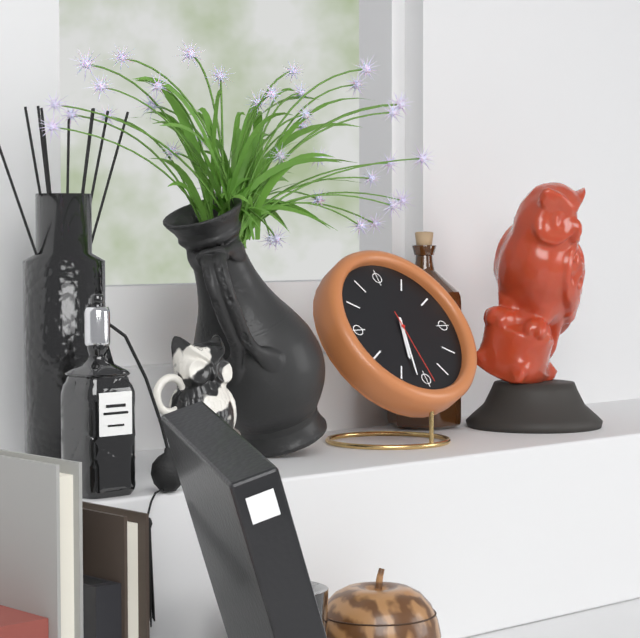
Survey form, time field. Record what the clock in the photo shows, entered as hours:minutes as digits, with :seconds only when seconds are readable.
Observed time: 6:32:29
